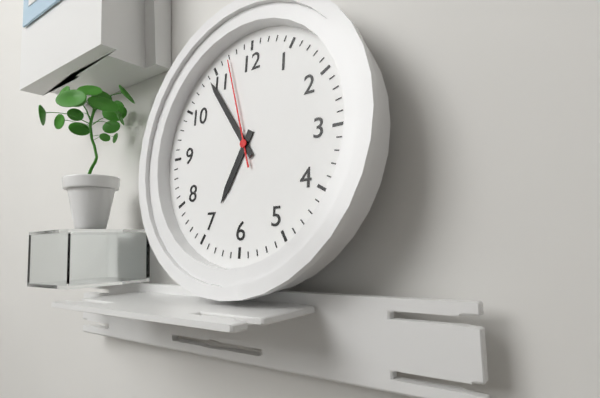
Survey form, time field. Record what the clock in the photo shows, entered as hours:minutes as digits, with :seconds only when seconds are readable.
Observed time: 6:54:57
